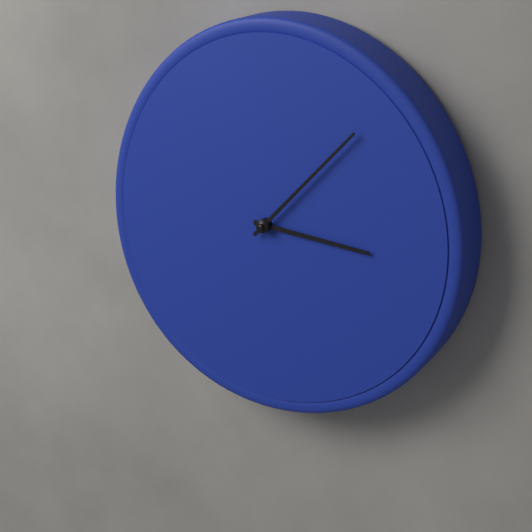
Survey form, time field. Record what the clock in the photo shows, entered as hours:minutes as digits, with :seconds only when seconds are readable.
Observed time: 3:07
